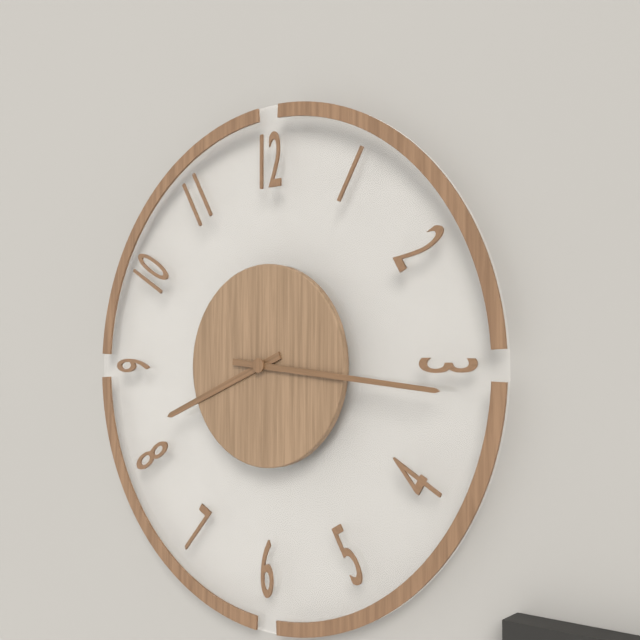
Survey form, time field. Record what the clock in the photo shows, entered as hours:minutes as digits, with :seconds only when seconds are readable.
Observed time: 8:16
